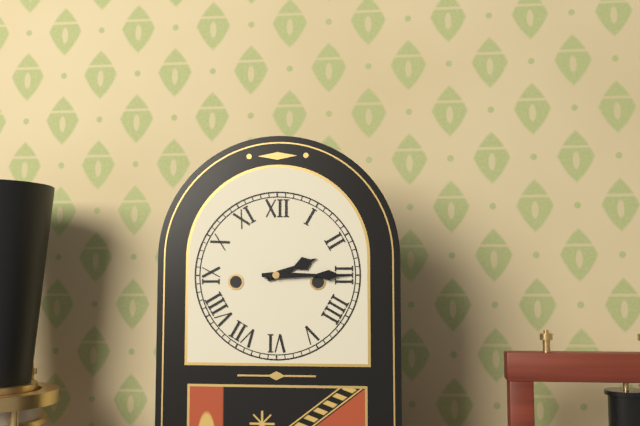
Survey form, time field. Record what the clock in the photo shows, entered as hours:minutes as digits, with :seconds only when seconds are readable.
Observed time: 2:15
